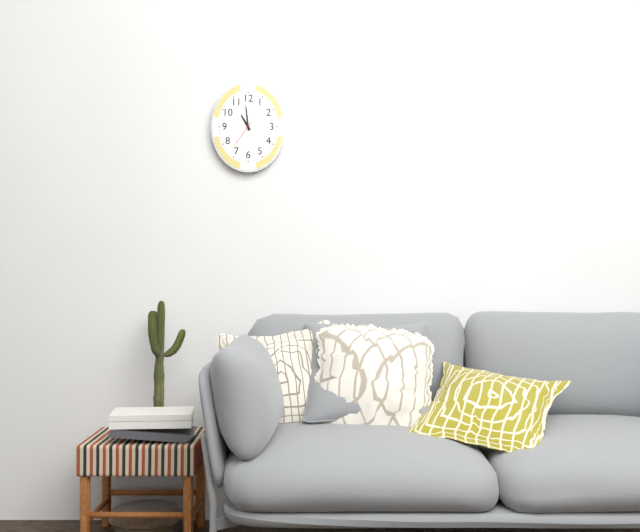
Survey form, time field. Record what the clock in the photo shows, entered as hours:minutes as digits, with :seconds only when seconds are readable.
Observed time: 10:59
